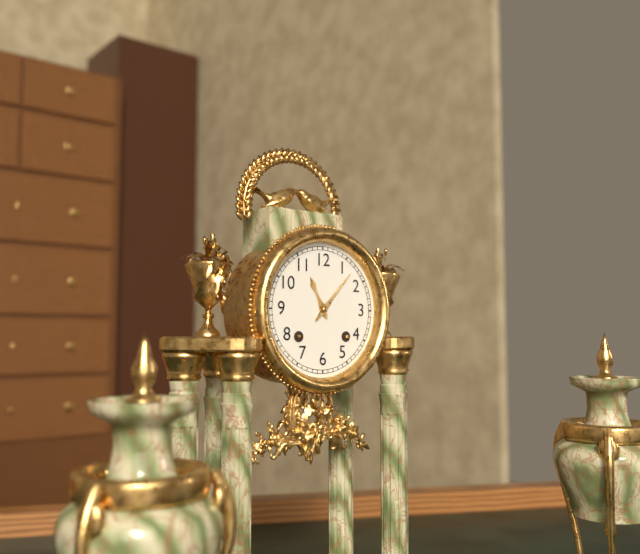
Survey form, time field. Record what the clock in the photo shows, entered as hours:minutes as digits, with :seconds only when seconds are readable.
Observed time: 11:07
